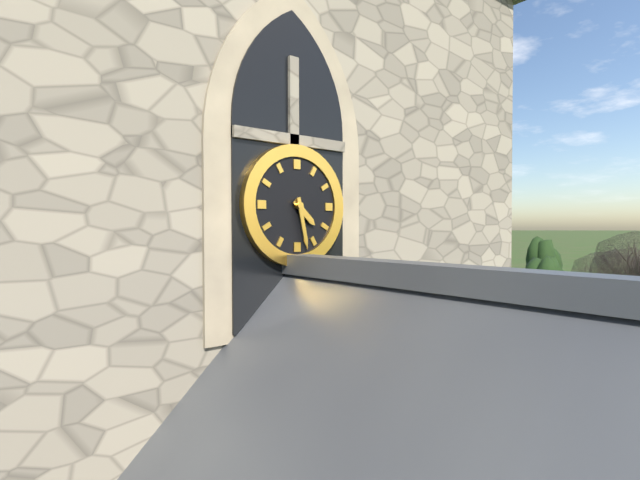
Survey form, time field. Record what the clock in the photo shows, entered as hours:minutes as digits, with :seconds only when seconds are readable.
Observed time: 4:28
